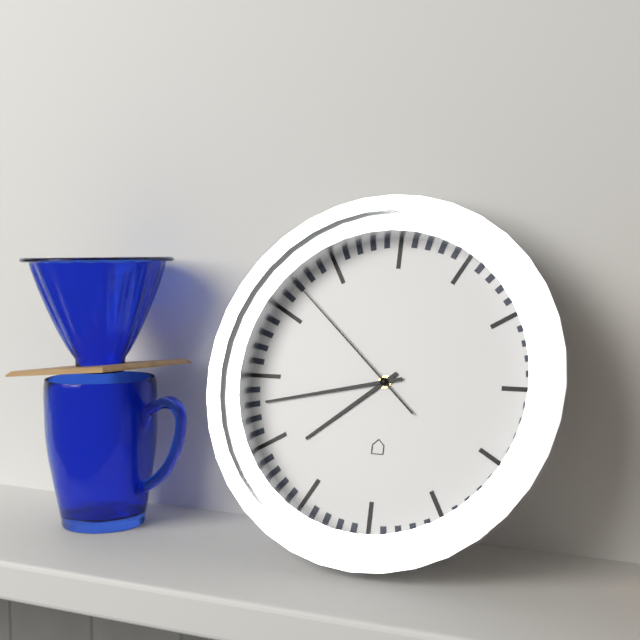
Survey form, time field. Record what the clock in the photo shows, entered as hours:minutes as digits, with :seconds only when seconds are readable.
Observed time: 7:43:52
